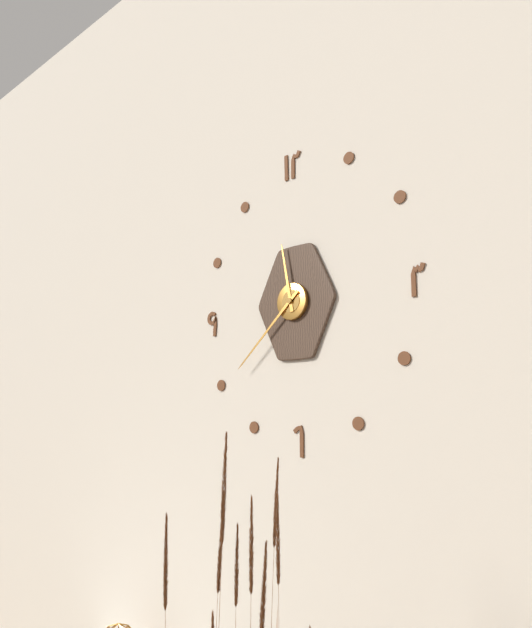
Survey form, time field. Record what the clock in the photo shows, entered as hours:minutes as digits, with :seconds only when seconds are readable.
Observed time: 11:38
